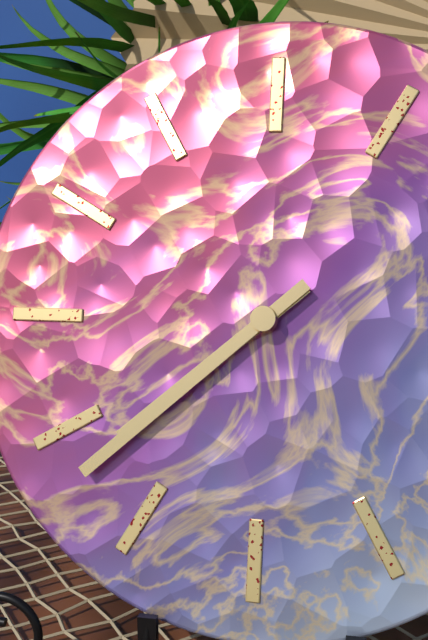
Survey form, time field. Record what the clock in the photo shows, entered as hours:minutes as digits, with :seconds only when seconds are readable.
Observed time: 7:38
